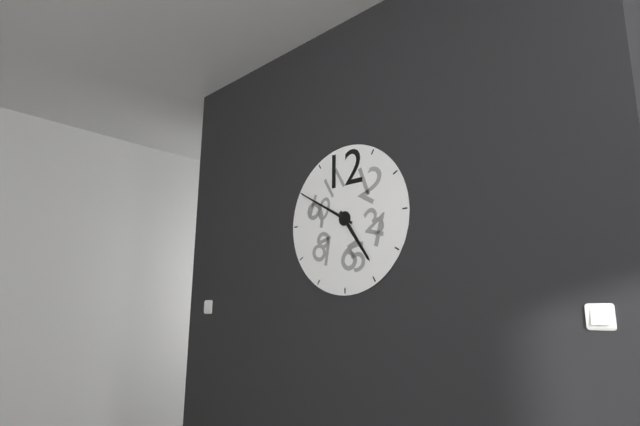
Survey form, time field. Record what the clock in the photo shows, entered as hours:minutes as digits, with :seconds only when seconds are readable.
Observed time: 4:50
